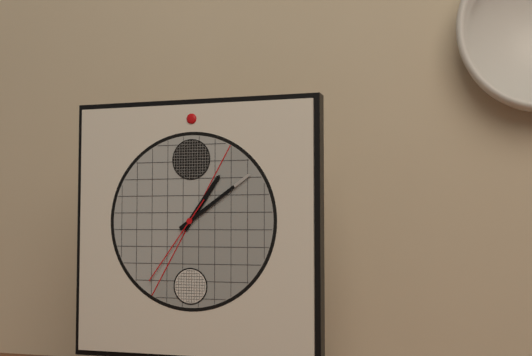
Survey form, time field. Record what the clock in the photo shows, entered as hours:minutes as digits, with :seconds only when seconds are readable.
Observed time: 1:09:36
